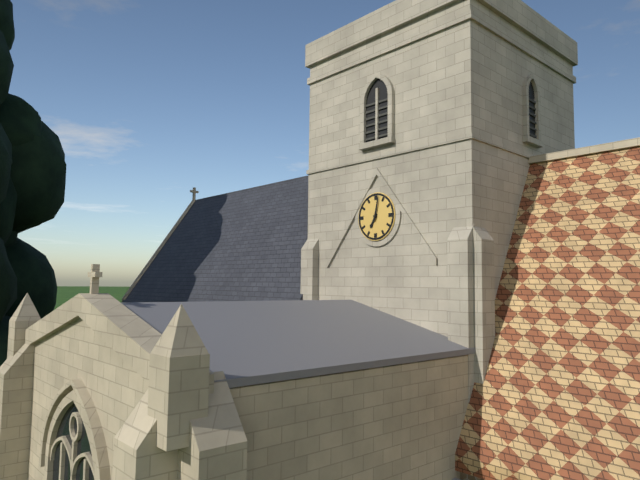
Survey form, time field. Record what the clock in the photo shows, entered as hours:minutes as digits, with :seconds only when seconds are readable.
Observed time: 7:02
